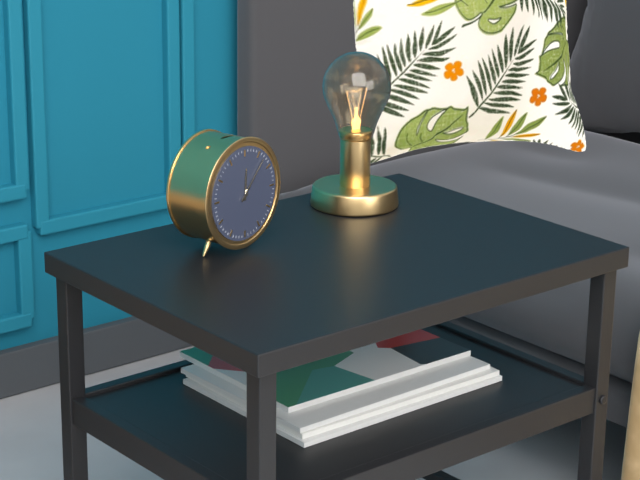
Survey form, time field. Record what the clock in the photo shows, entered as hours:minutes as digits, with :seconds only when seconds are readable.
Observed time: 12:07
